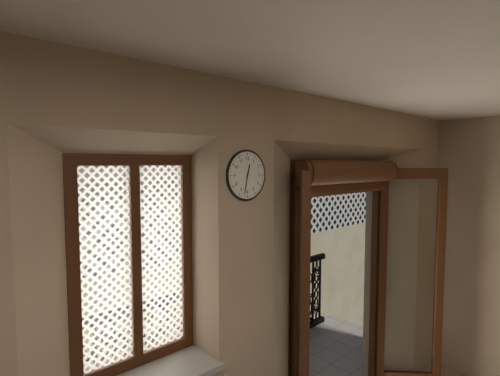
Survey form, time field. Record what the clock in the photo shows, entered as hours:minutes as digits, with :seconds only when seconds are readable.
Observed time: 12:32
